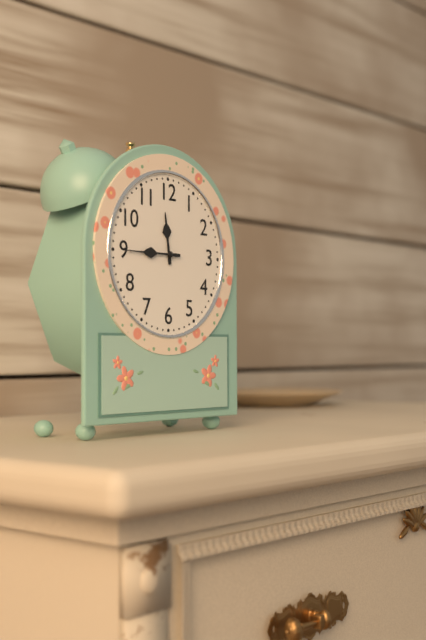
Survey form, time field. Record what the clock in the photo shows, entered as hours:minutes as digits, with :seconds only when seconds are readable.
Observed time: 11:45
